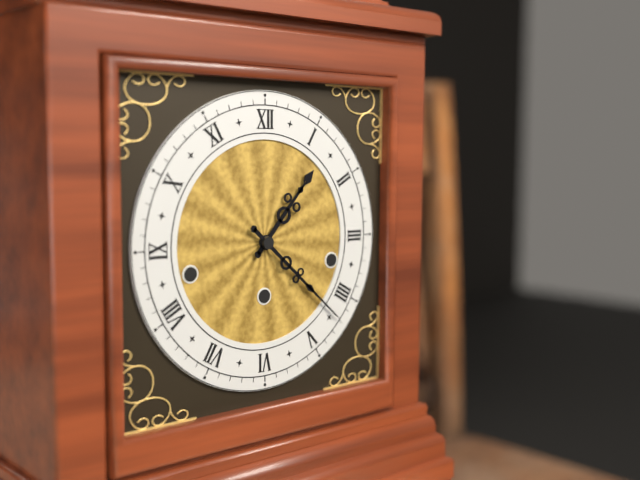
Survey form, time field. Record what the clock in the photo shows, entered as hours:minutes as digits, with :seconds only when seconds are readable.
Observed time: 1:22
